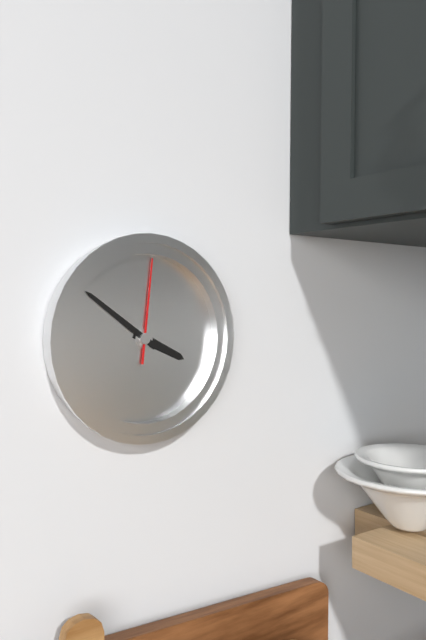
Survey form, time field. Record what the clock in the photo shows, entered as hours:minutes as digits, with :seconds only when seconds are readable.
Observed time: 3:51:01
